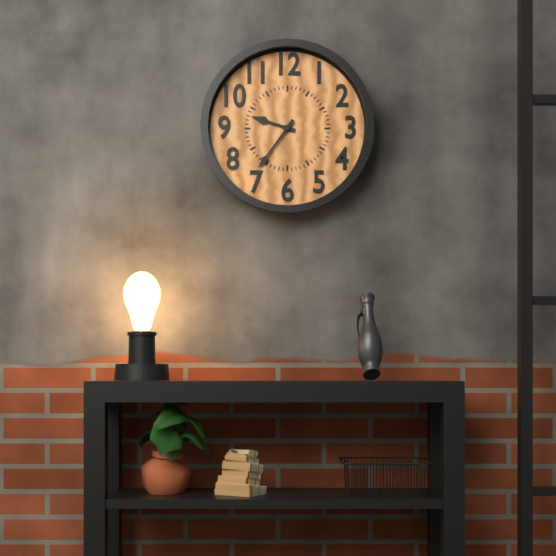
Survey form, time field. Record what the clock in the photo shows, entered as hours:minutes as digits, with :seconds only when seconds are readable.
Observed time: 9:36
